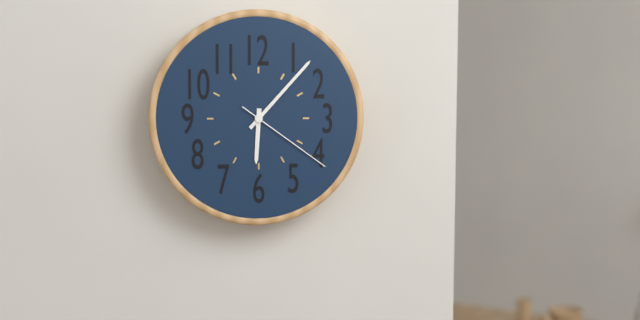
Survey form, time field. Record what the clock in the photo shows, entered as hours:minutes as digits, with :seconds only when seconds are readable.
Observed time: 6:07:21
